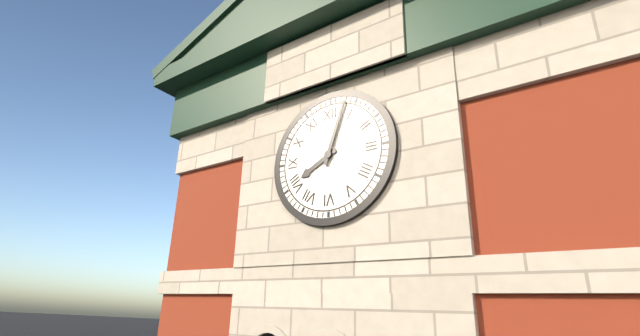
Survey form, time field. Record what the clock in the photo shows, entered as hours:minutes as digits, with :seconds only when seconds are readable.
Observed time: 8:03
